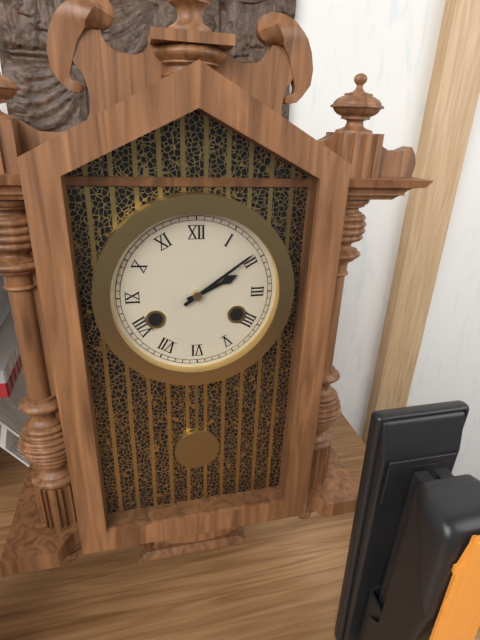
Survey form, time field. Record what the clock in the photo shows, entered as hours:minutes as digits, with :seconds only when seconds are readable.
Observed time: 2:09
